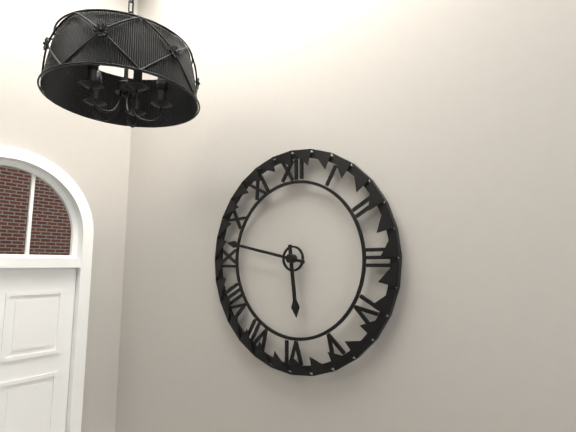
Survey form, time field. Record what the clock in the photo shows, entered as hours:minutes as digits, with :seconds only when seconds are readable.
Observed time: 5:47
